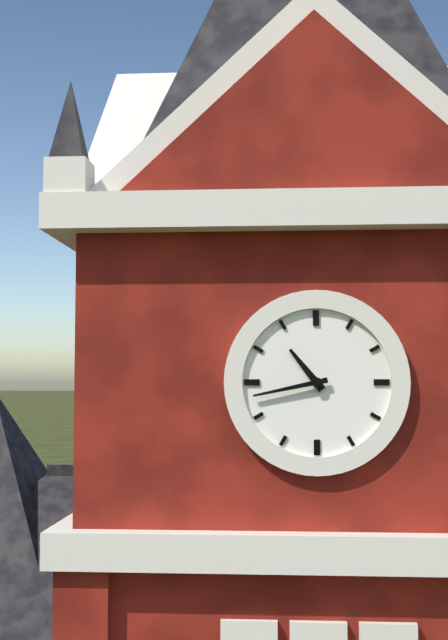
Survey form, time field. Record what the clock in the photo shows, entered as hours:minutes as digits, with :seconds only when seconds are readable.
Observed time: 10:43
